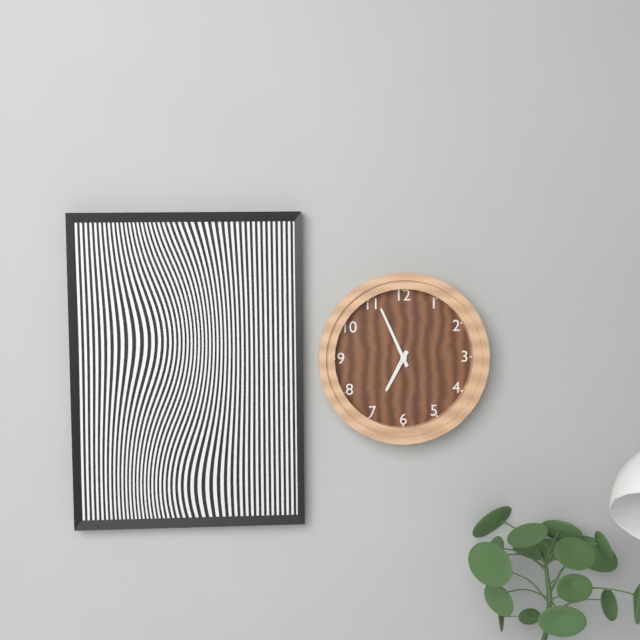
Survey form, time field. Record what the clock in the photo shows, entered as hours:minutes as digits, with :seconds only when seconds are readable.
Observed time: 6:56
